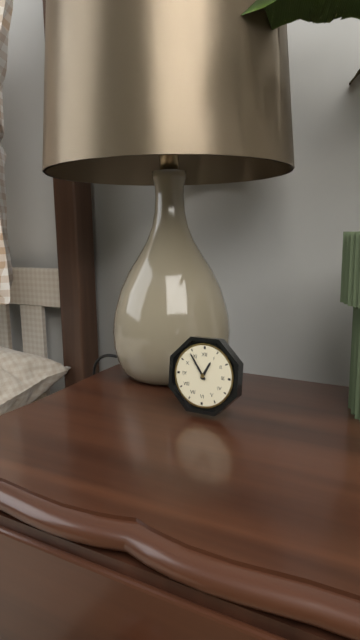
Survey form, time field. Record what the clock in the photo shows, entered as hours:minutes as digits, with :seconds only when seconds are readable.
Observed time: 12:54
